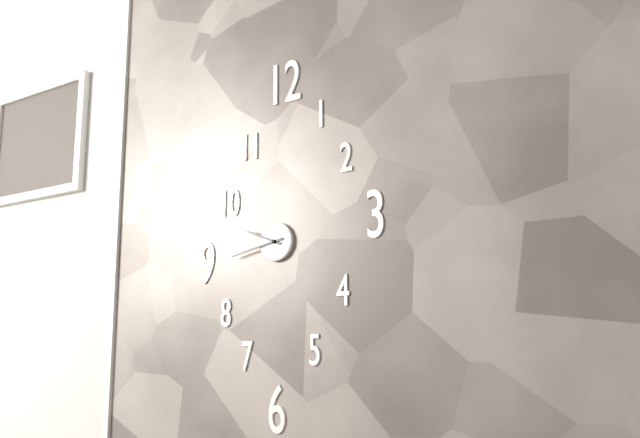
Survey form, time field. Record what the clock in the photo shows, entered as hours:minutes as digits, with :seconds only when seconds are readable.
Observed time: 9:43
